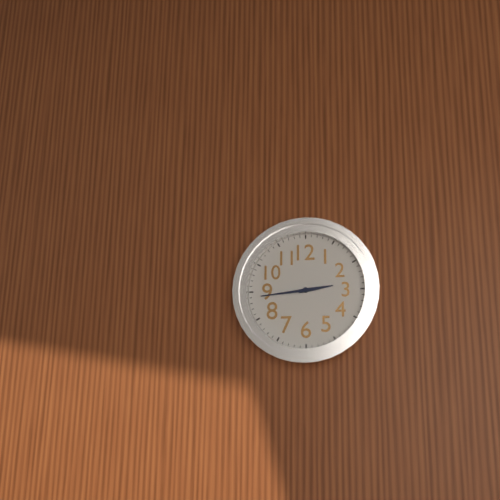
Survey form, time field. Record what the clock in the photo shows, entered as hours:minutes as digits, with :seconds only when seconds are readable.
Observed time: 2:44
